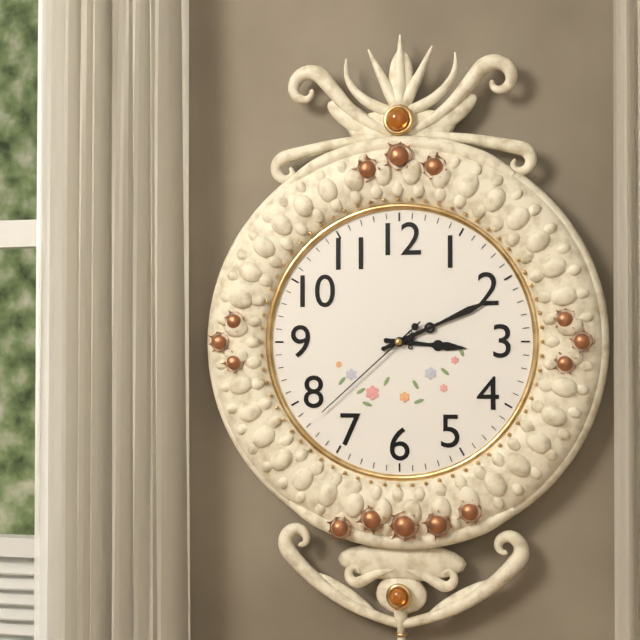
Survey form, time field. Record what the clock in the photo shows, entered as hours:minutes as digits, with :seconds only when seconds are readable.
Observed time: 3:11:38
